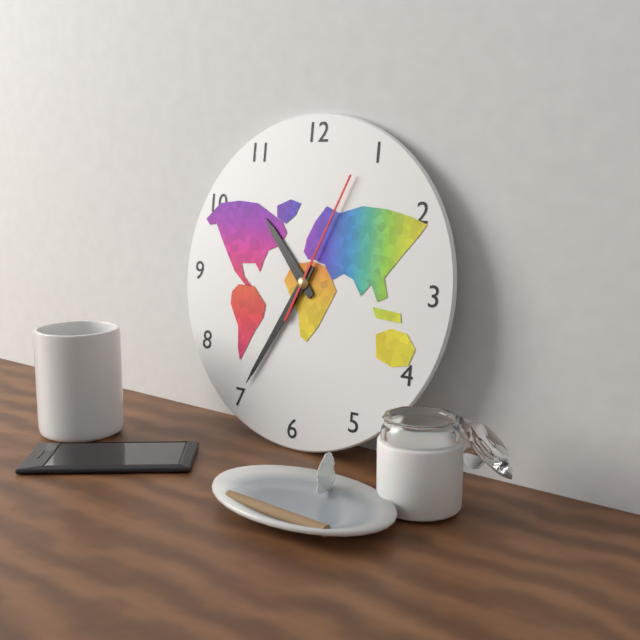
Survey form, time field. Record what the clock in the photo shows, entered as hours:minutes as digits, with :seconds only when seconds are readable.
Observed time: 10:35:04
